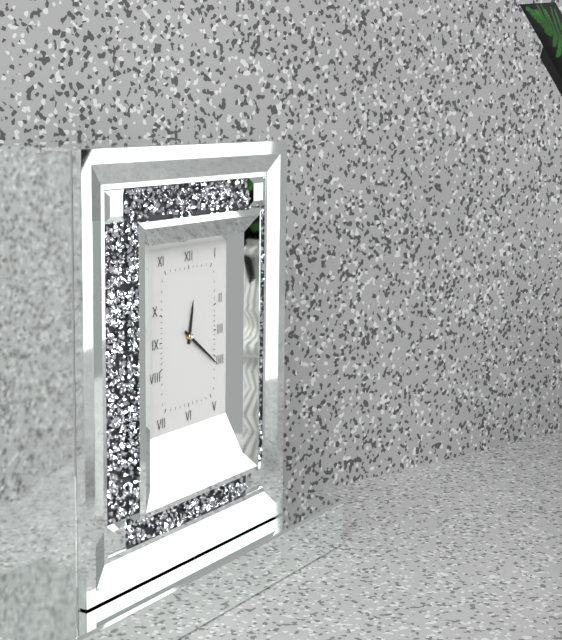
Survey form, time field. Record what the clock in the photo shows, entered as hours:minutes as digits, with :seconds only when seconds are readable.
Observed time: 12:21
